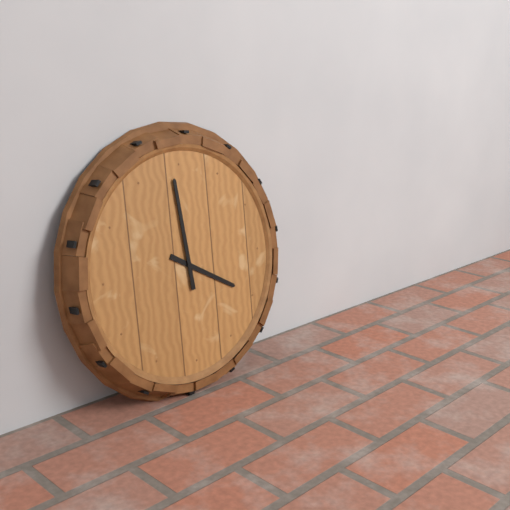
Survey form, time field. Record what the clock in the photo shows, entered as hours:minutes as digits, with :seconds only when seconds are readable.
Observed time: 3:59
